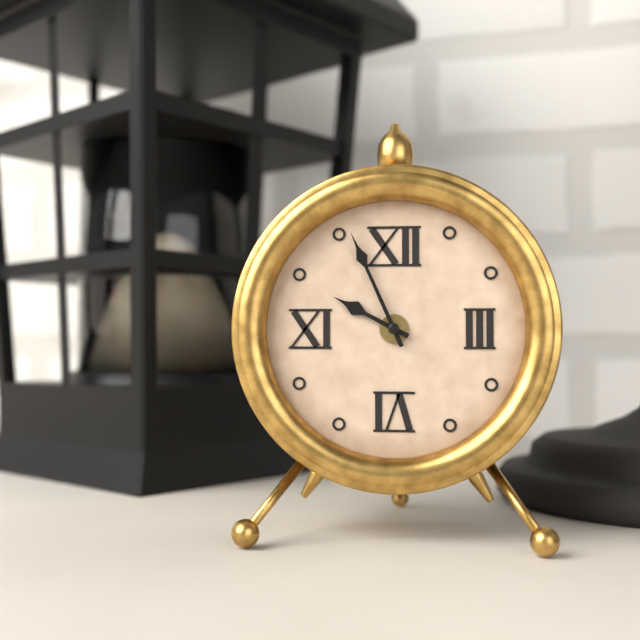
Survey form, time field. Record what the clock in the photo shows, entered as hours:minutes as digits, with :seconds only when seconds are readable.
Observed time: 9:56
